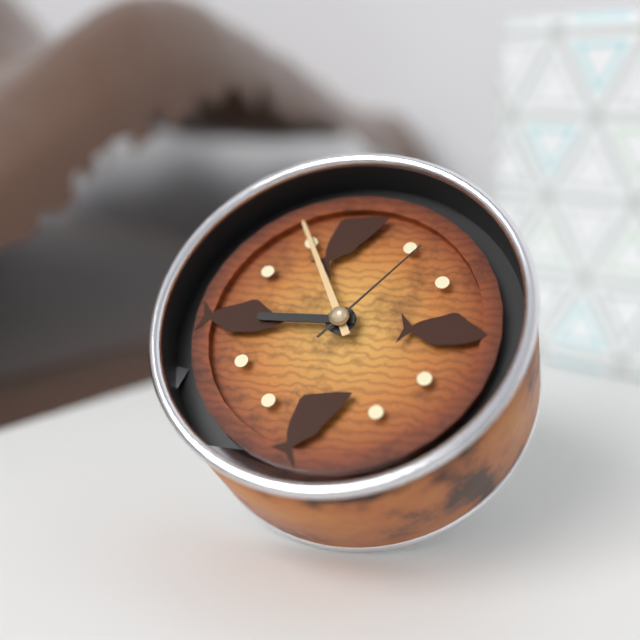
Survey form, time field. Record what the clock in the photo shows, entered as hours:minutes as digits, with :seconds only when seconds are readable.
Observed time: 8:55:06
